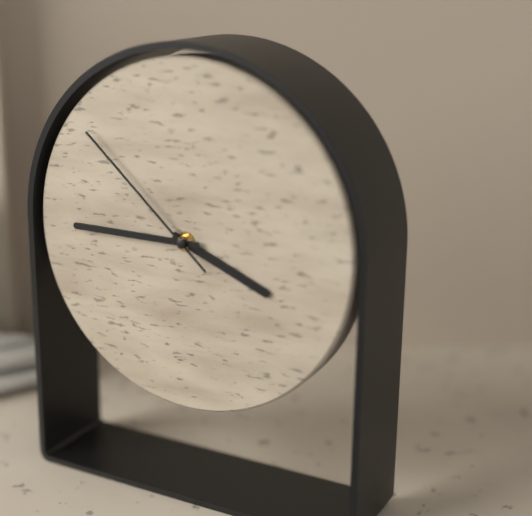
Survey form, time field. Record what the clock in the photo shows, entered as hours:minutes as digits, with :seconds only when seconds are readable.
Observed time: 3:45:52
